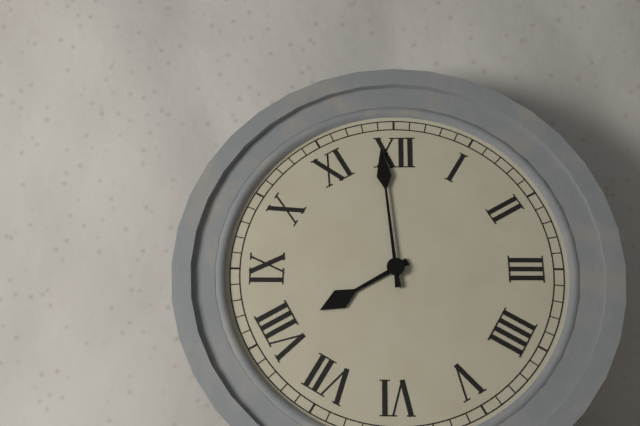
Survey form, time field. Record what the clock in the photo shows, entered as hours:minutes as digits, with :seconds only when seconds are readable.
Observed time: 7:59
